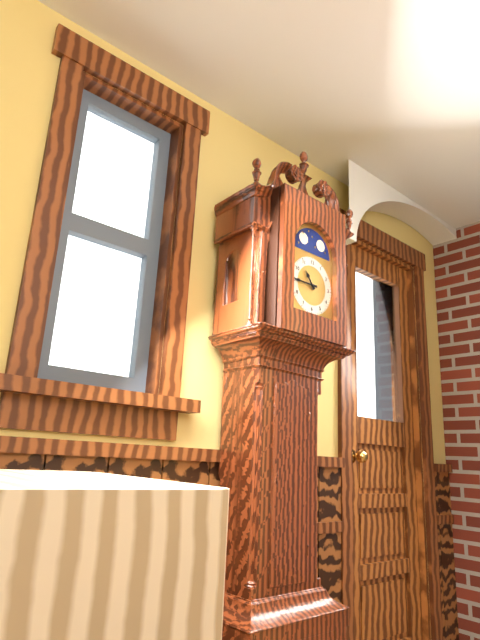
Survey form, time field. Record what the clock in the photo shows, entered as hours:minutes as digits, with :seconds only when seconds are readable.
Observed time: 10:45
